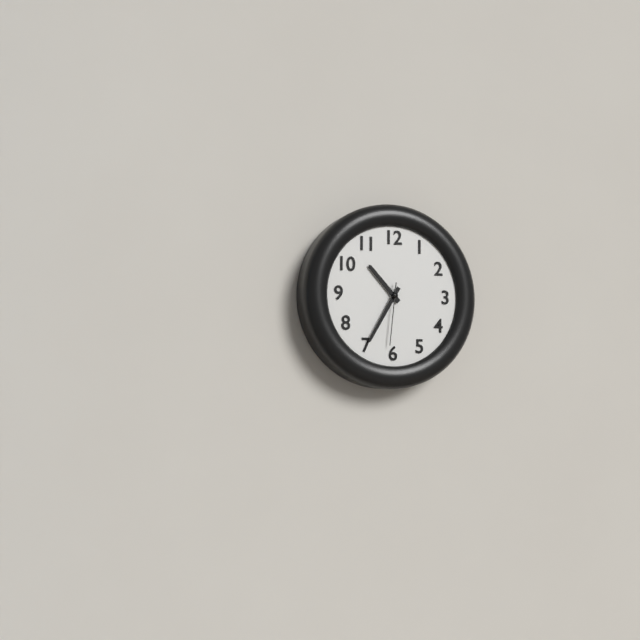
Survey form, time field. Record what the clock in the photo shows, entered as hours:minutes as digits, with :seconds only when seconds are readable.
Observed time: 10:35:31
